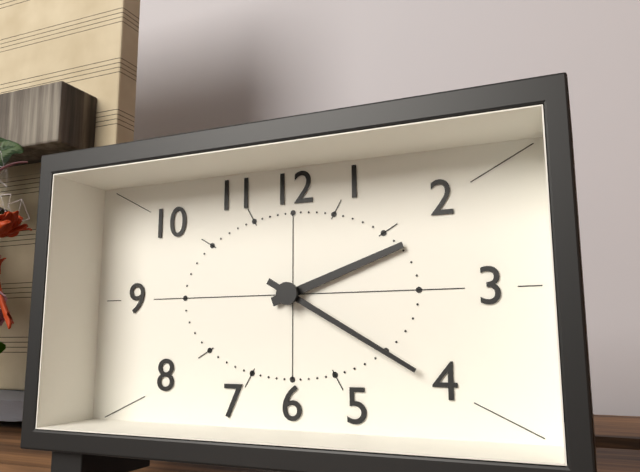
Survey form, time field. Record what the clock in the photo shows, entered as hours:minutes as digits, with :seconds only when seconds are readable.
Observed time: 2:20
